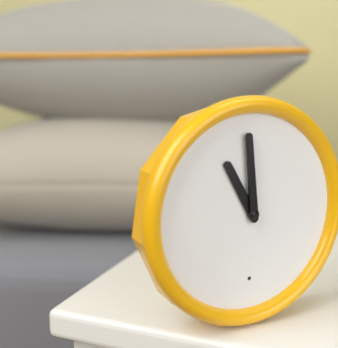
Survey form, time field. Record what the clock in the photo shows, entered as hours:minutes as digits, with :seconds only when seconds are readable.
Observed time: 10:59
